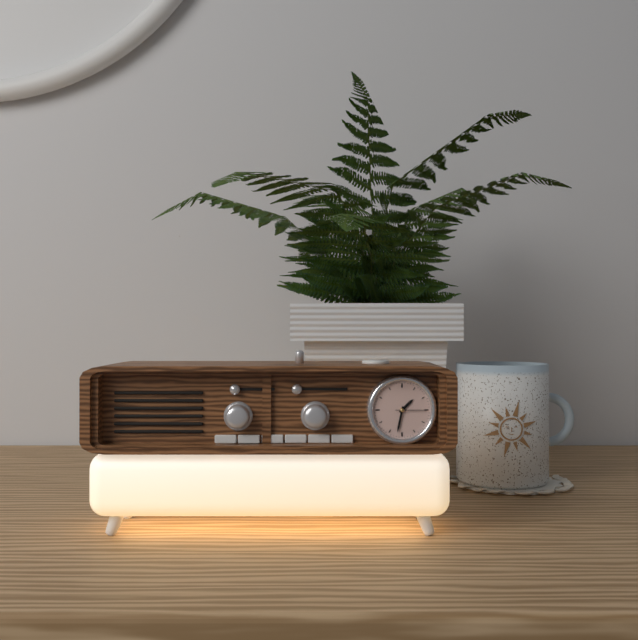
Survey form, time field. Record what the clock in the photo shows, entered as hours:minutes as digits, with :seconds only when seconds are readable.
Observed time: 1:32
